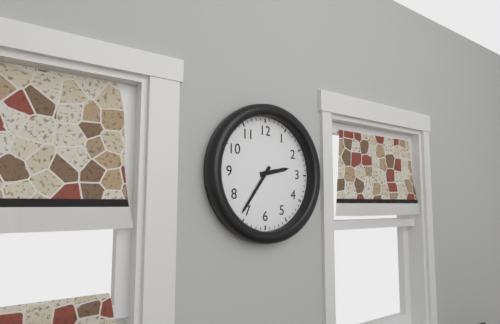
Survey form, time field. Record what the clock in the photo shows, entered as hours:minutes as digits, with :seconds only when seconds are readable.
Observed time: 2:36
